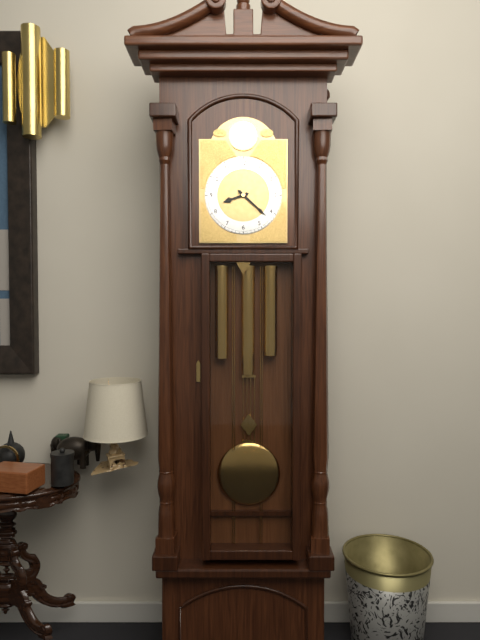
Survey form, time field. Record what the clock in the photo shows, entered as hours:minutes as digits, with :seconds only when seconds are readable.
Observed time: 8:22
